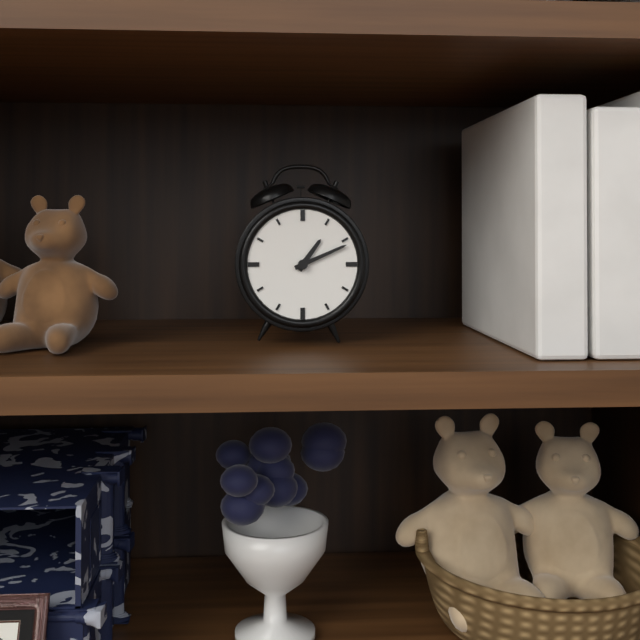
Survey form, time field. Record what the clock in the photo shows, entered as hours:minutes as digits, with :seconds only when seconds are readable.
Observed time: 1:11
